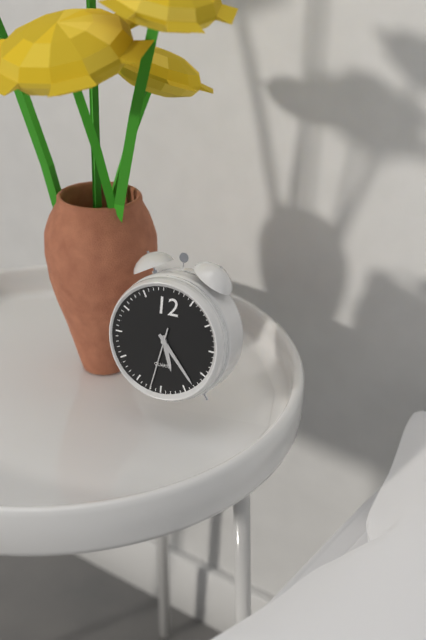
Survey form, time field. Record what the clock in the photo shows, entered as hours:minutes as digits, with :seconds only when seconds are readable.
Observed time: 5:23:32
